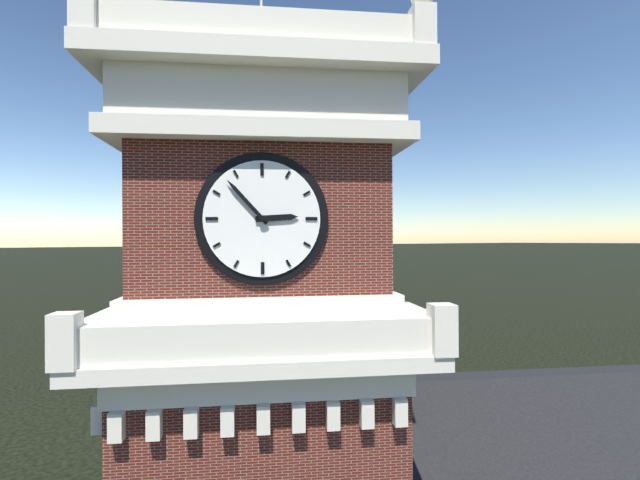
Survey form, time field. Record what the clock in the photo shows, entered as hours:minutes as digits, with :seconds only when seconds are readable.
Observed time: 2:53
